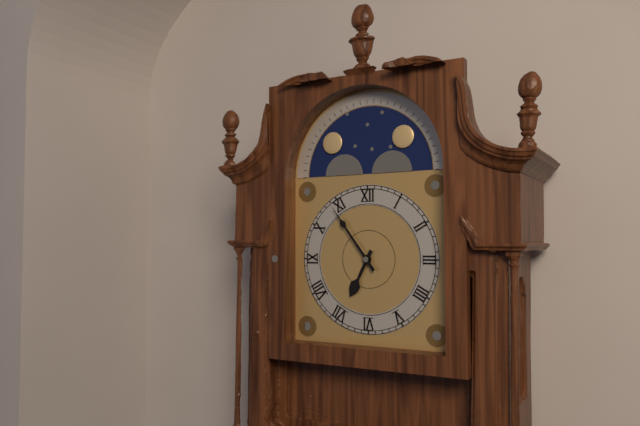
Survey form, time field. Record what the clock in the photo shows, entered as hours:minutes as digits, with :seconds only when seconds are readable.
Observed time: 6:54
